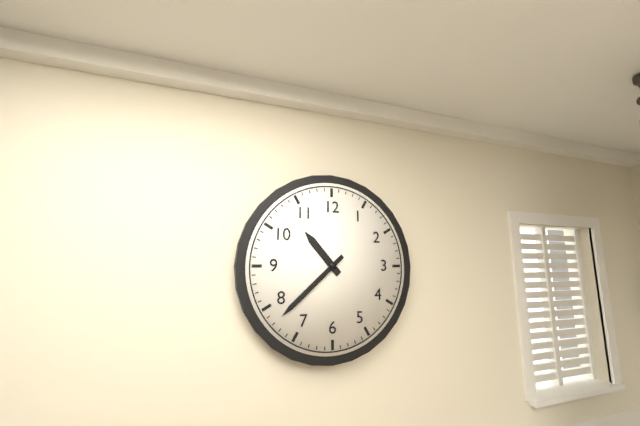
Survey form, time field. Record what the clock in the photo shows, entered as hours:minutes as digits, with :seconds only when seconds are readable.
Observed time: 10:38
